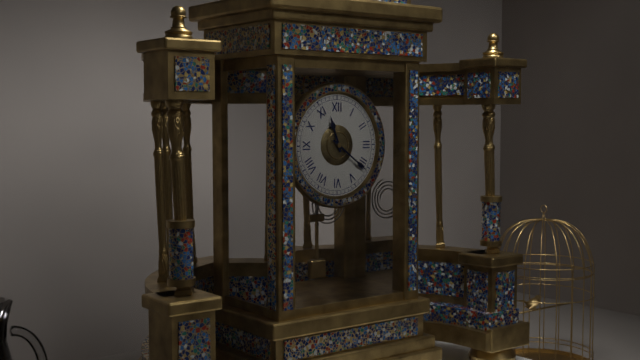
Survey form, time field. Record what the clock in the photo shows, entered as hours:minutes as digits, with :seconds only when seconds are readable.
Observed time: 11:21
